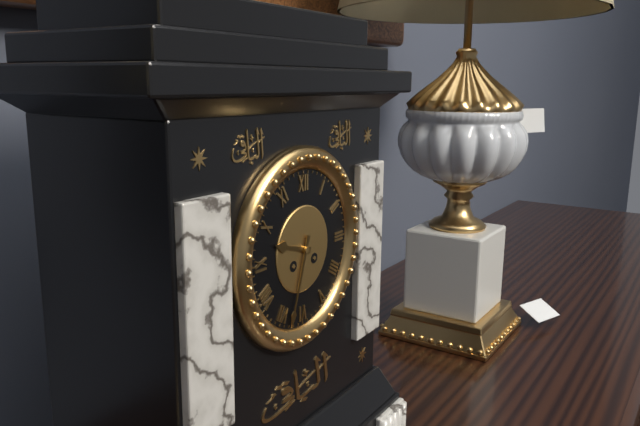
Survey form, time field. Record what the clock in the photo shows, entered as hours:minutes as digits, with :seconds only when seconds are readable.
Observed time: 9:33
